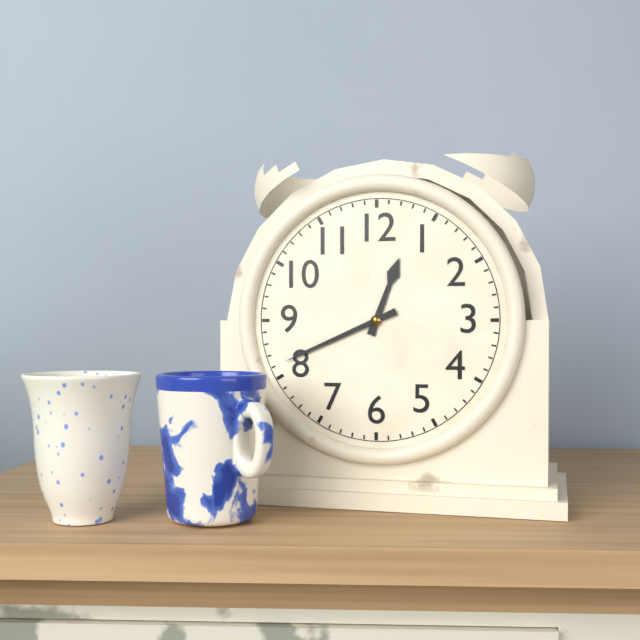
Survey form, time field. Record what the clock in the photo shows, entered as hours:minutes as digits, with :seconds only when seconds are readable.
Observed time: 12:41
